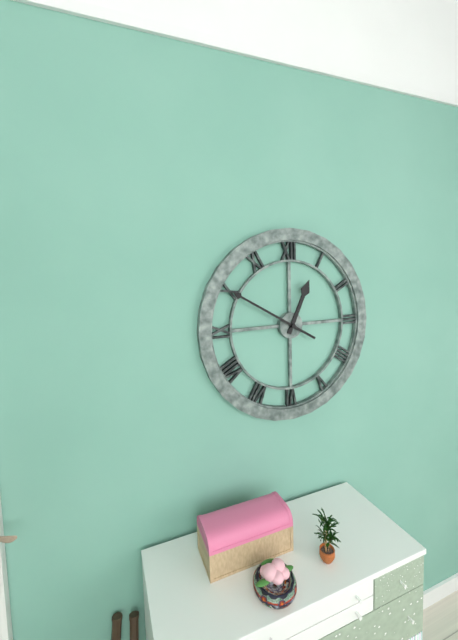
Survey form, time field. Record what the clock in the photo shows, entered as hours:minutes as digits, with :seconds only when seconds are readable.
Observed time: 12:50
